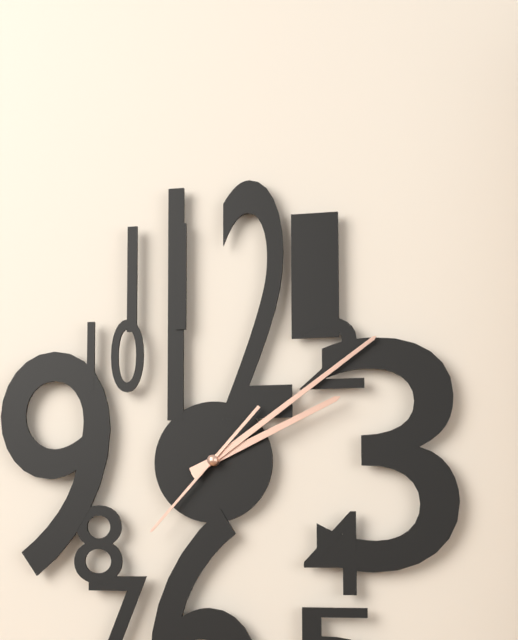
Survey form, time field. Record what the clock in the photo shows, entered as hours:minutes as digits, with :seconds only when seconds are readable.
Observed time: 2:09:37
